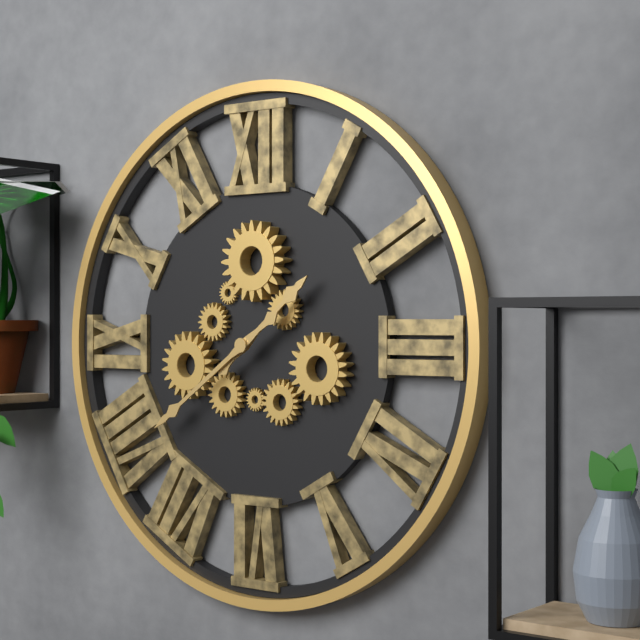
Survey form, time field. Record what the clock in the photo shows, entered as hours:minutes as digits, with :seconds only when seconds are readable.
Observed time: 1:39
